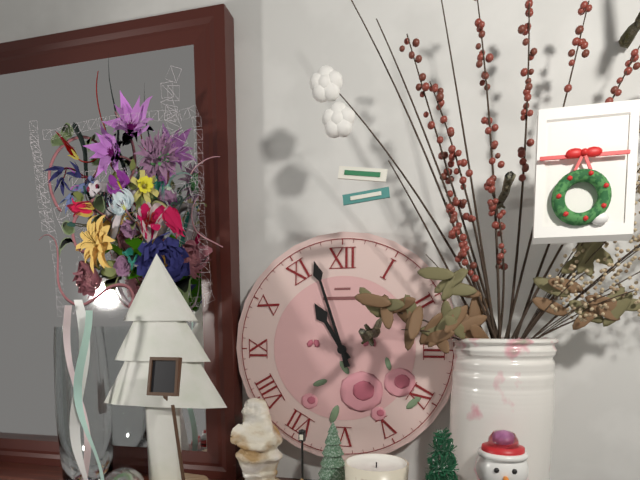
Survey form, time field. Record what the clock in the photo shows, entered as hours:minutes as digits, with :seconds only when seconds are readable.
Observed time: 10:57
